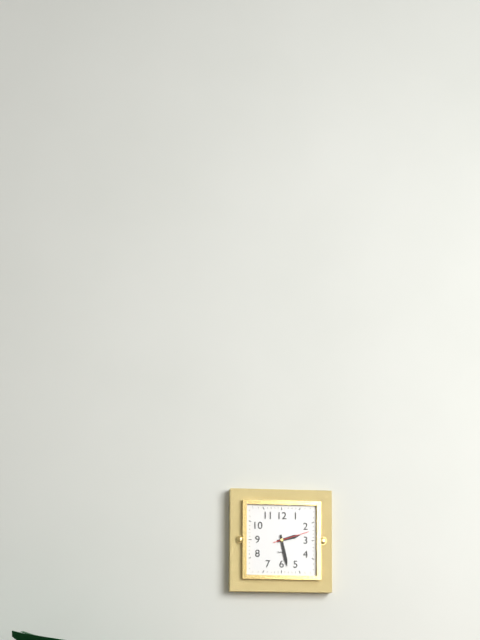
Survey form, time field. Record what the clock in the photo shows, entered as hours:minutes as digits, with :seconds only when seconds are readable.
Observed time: 2:28
